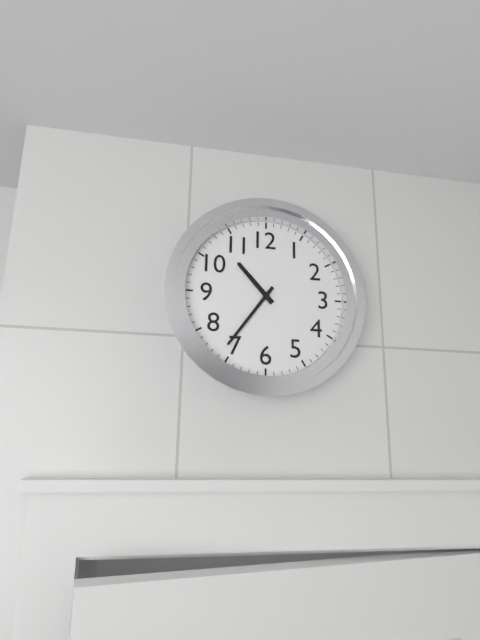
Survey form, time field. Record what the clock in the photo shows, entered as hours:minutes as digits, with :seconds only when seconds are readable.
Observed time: 10:36
